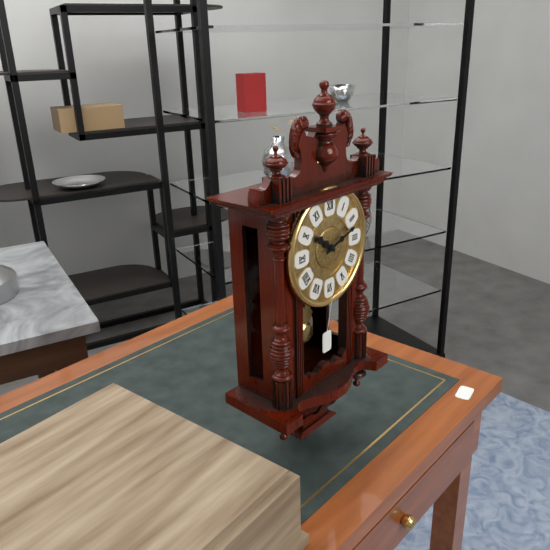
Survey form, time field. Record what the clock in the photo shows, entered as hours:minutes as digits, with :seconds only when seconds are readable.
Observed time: 10:12
